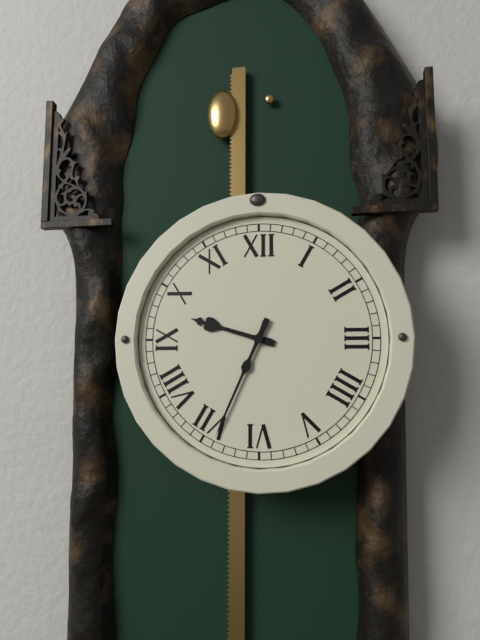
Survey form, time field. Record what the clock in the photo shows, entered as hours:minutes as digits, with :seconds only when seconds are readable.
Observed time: 9:34
